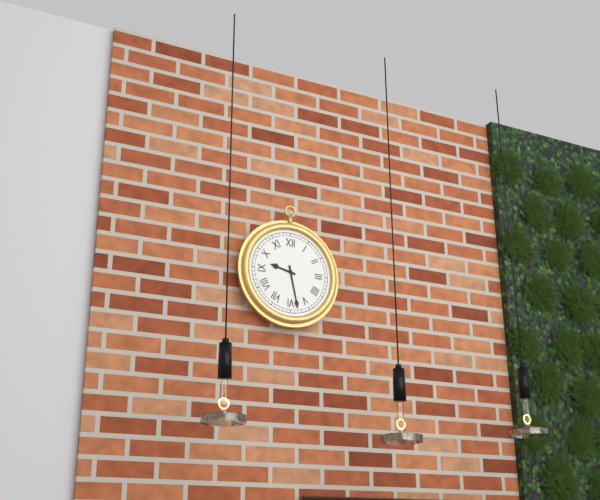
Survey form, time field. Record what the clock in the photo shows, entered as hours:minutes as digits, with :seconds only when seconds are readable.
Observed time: 9:28
